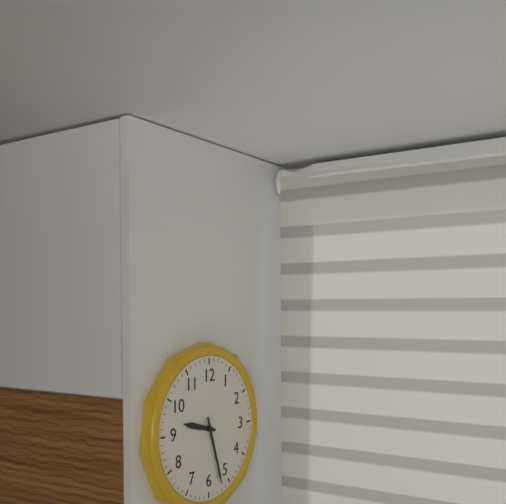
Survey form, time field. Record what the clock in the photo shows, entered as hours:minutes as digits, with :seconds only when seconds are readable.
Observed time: 9:27
